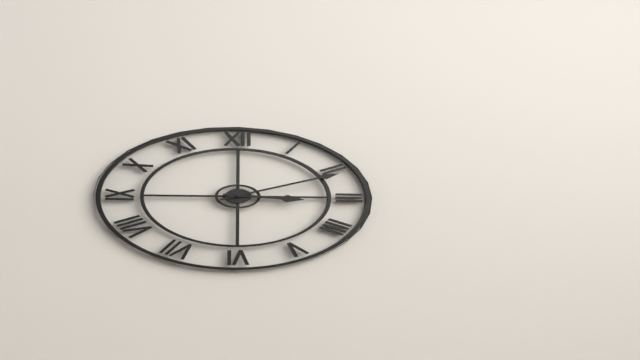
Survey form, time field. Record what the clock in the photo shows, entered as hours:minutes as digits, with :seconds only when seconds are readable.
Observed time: 3:11
